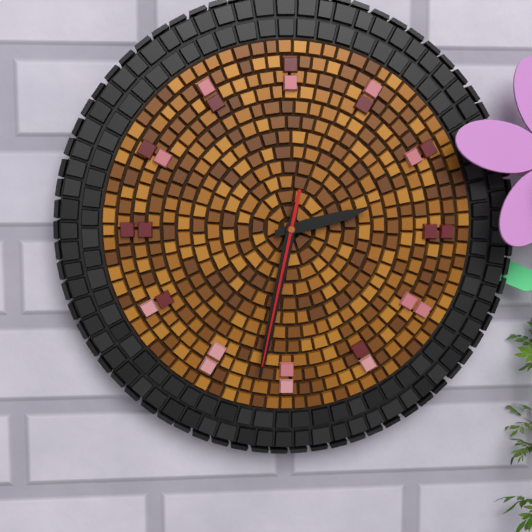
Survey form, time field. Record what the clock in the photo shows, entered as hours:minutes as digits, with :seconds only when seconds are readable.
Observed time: 2:32:32
